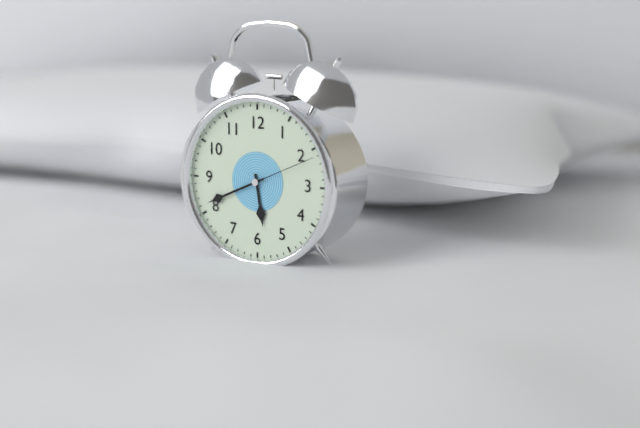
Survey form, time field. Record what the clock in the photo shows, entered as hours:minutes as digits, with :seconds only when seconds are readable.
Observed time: 5:41:11
